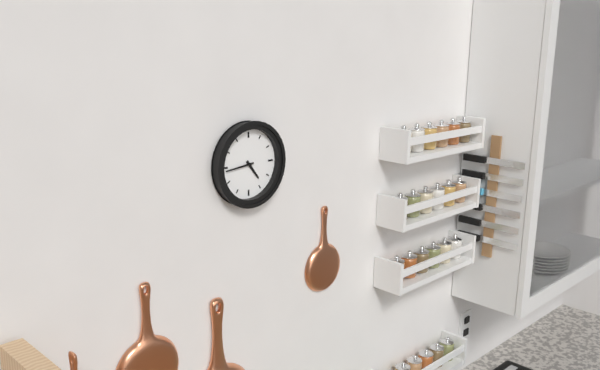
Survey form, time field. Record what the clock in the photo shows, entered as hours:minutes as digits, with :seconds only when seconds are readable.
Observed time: 4:44
